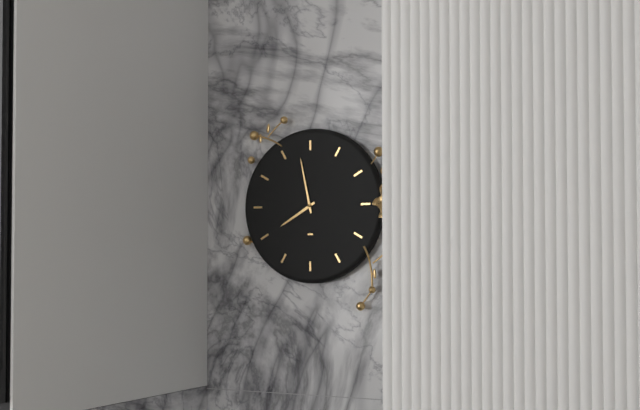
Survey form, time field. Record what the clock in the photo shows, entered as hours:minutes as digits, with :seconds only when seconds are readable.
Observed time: 7:58
